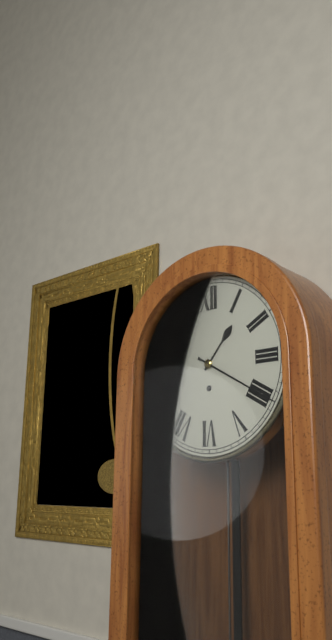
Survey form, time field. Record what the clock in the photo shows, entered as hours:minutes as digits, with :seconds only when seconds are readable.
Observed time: 1:20
